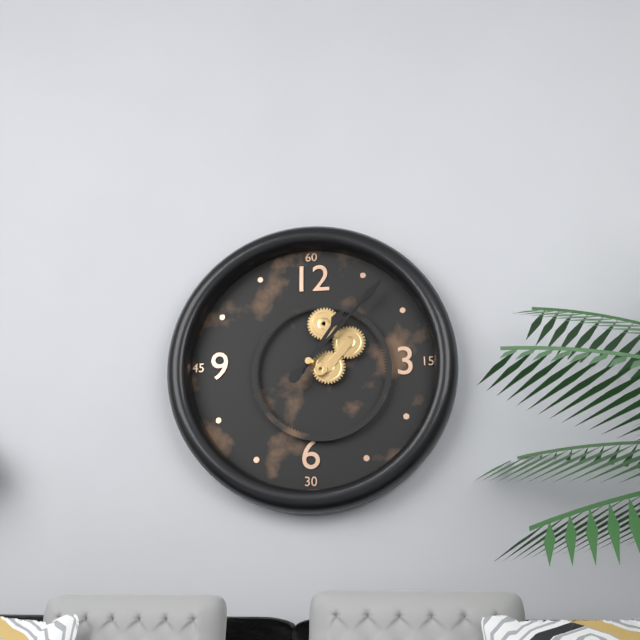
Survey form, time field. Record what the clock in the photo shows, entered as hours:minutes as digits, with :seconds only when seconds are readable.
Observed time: 1:07
